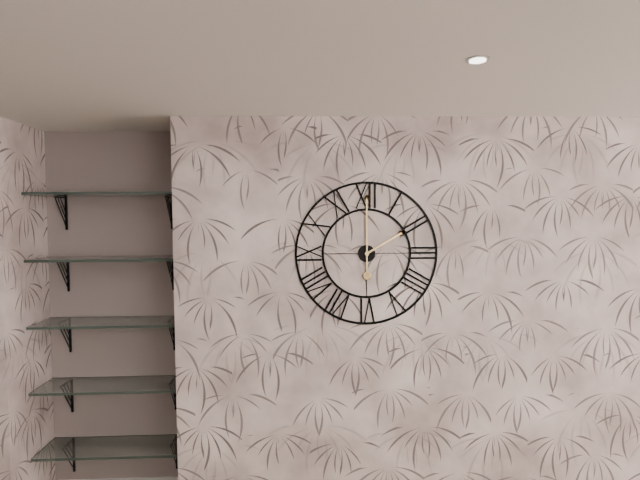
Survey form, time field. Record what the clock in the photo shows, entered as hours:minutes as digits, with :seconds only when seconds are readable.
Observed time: 2:00
